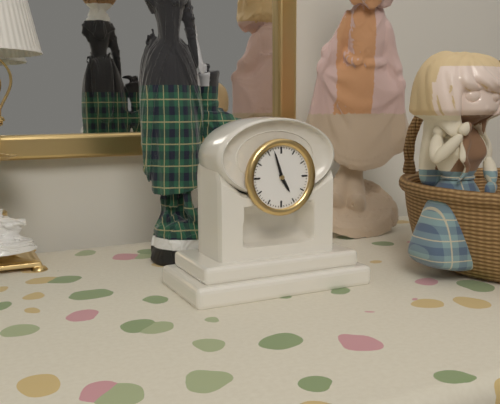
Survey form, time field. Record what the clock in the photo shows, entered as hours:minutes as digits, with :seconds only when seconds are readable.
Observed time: 4:57
